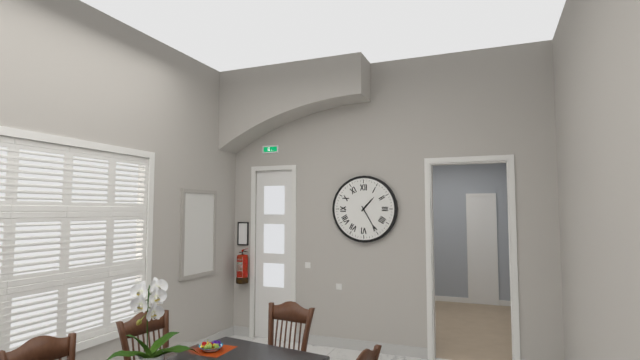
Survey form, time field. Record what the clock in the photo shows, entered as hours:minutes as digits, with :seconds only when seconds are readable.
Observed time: 1:25
